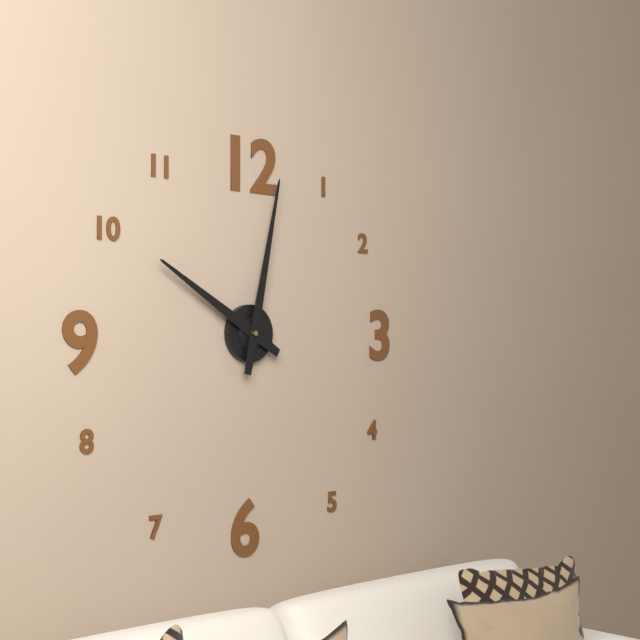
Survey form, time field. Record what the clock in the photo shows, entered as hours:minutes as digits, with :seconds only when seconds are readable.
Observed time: 10:02
